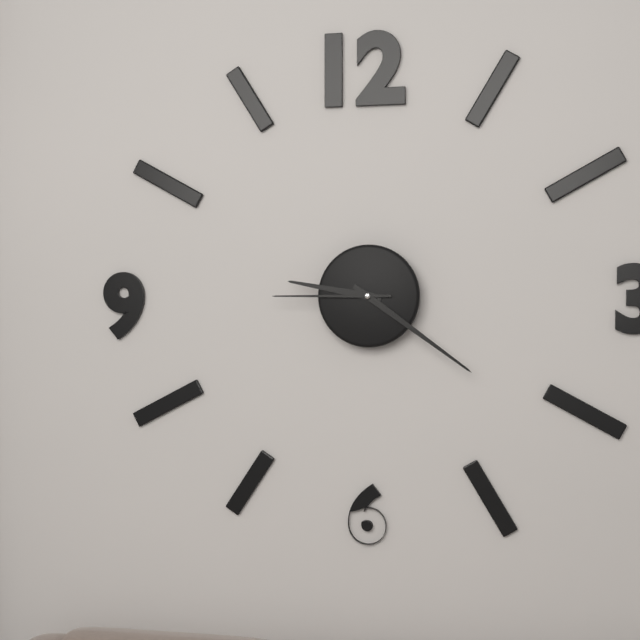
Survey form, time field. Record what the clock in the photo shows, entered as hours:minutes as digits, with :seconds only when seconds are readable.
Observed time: 9:21:45
